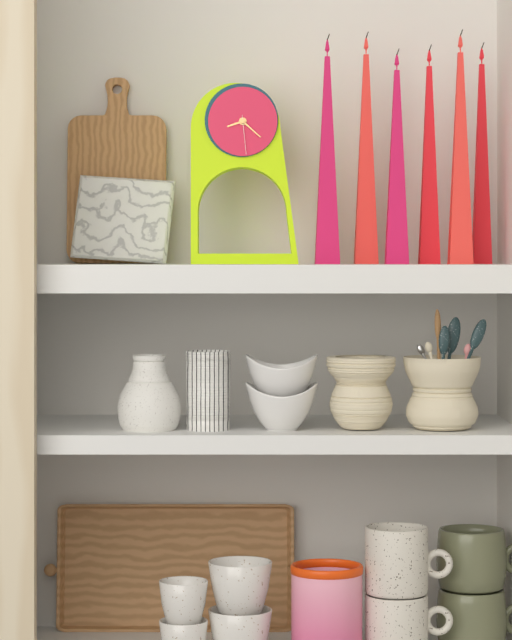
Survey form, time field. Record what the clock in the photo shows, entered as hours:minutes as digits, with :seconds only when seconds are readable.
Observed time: 8:22
